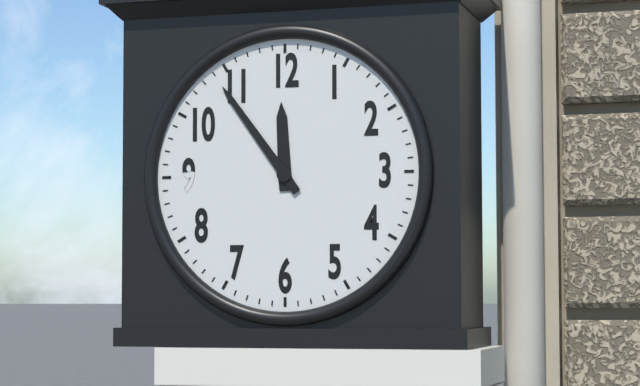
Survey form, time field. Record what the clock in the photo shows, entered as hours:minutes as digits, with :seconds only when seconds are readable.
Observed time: 11:54
